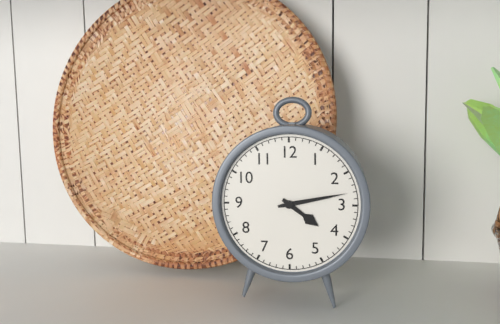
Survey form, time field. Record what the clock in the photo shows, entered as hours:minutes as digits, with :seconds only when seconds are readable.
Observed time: 4:13
